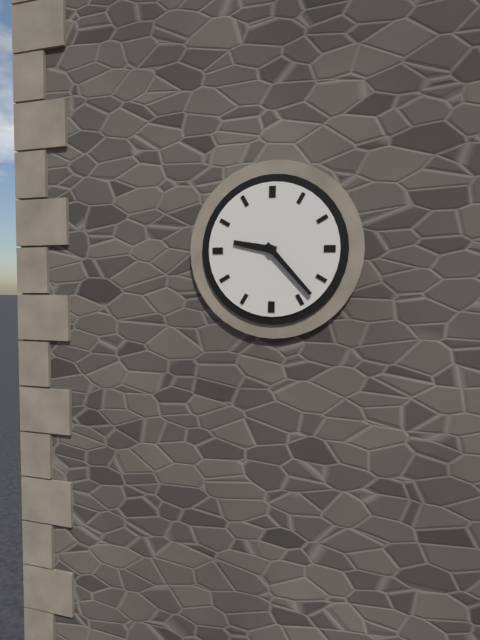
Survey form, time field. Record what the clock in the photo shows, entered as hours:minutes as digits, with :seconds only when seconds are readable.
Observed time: 9:23
